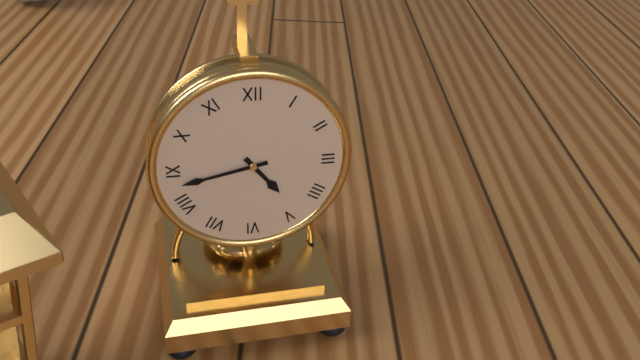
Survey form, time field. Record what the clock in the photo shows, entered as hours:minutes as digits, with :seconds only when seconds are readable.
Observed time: 4:43
